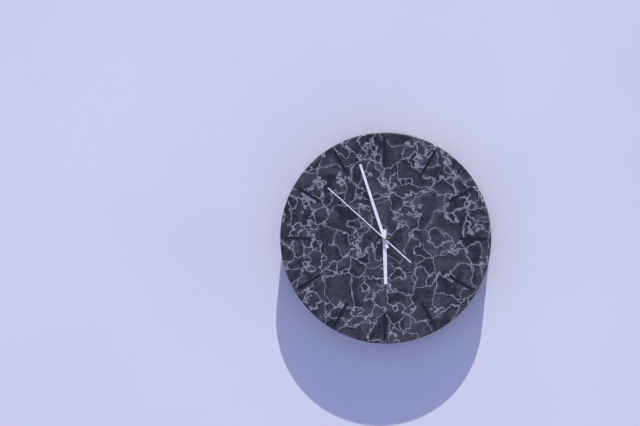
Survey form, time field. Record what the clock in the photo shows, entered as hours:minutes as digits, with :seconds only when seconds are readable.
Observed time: 5:57:52
